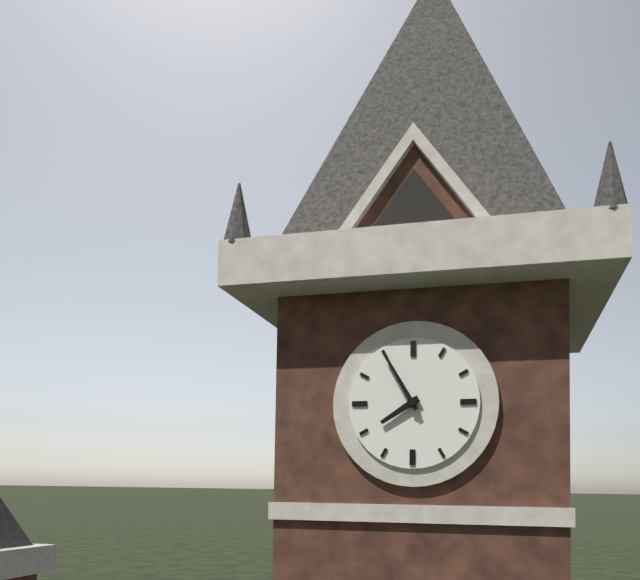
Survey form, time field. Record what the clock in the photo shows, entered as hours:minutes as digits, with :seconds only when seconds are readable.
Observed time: 7:55
